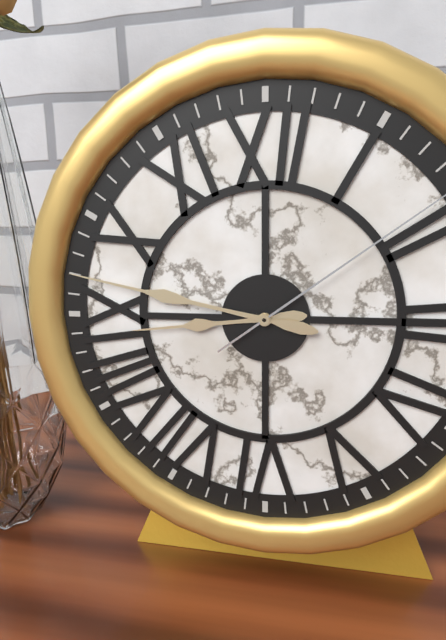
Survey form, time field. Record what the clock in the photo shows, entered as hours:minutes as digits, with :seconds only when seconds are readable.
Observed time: 8:47
